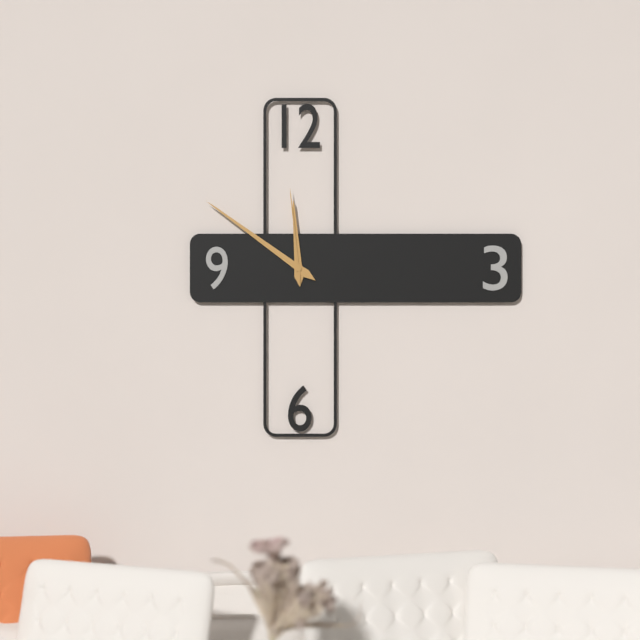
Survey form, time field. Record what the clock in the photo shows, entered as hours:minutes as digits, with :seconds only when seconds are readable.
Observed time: 11:51:59
